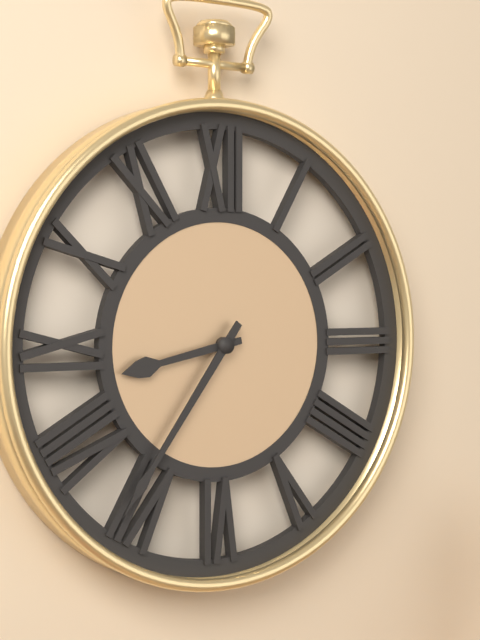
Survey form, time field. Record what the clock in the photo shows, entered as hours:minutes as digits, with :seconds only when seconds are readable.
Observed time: 8:36
